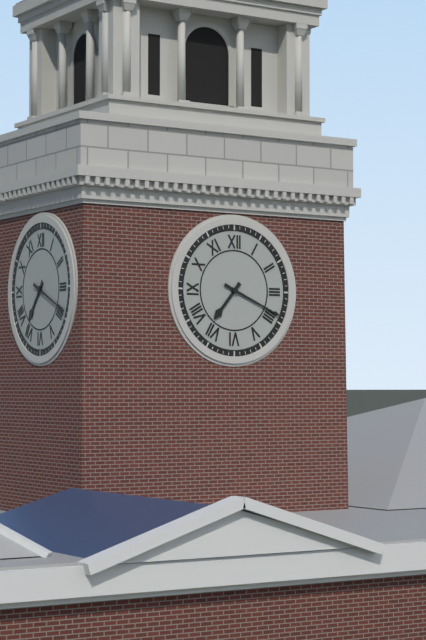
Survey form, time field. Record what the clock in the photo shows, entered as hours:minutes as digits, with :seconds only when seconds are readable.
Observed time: 7:19
